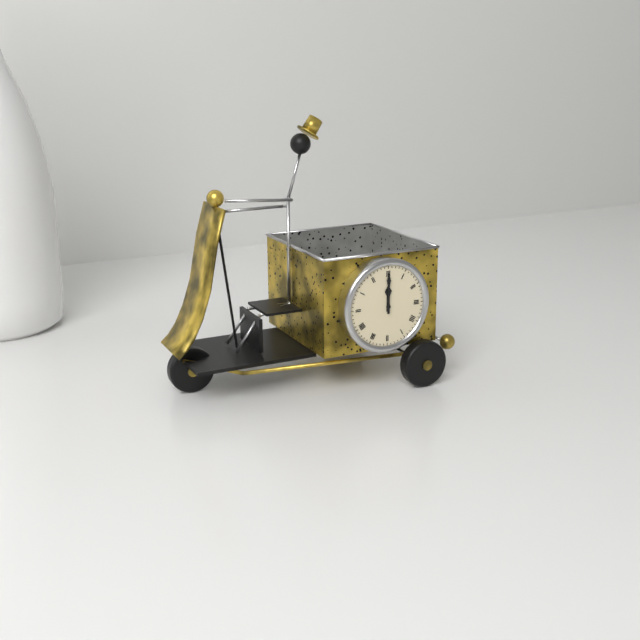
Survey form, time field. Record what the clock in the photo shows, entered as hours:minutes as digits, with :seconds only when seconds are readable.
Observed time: 12:00
